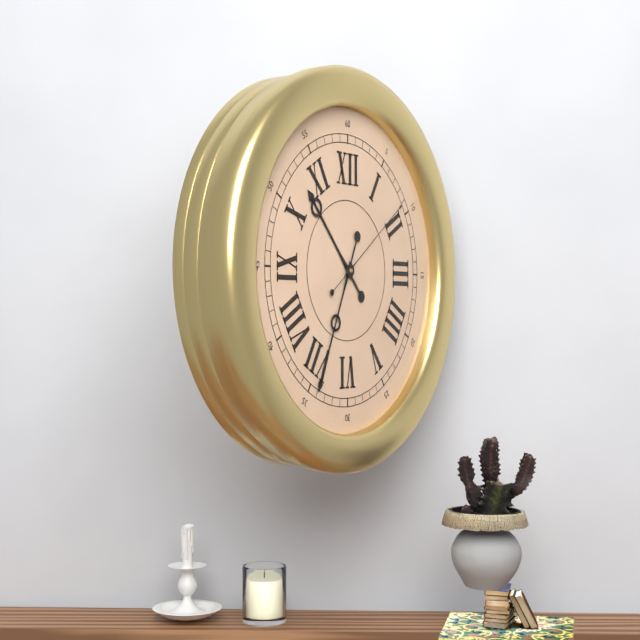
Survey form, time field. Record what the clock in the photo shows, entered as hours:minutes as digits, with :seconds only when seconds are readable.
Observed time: 10:34:09
